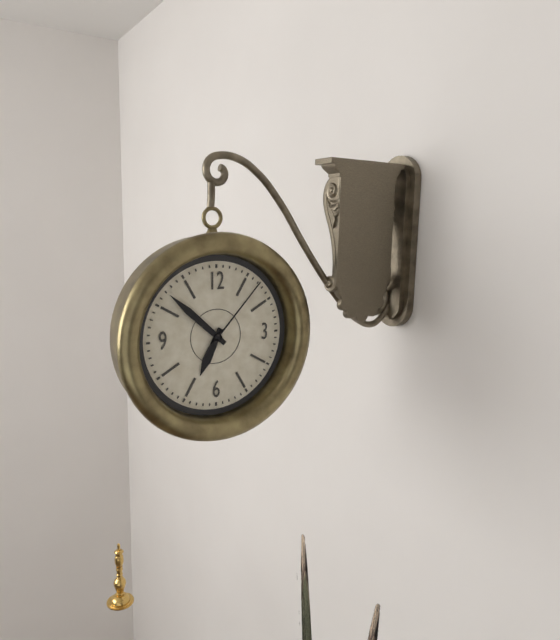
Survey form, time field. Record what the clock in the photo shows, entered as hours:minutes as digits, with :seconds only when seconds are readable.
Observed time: 6:52:07
